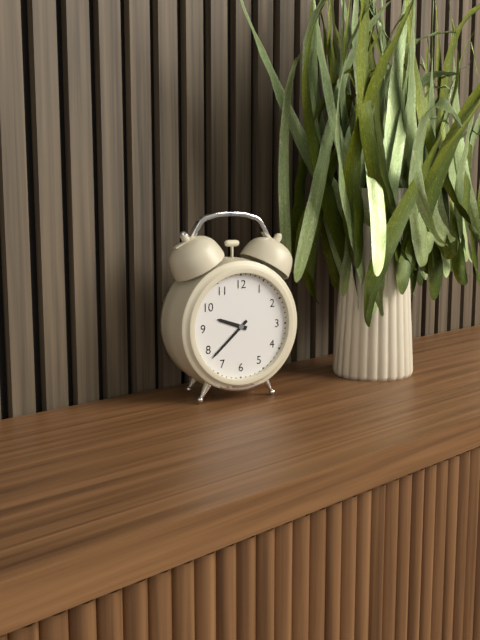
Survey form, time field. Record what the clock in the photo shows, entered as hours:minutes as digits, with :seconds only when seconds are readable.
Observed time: 9:38
